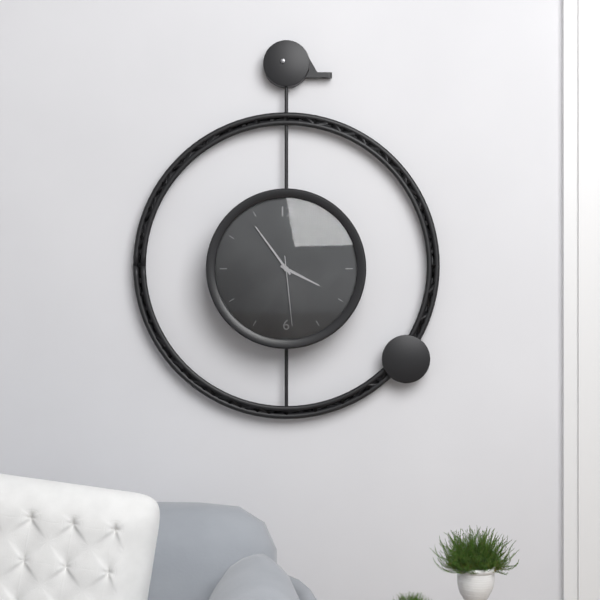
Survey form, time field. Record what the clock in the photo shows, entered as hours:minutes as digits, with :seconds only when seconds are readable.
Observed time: 3:54:29
